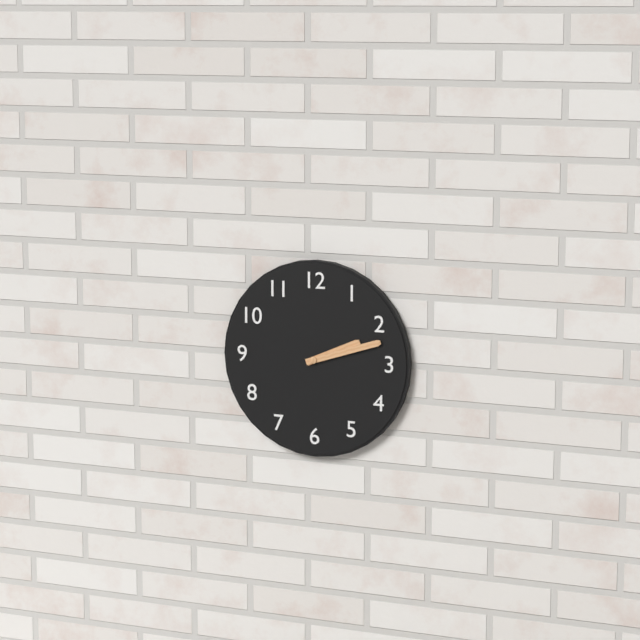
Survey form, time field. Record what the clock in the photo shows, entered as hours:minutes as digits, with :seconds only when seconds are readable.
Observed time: 2:12
